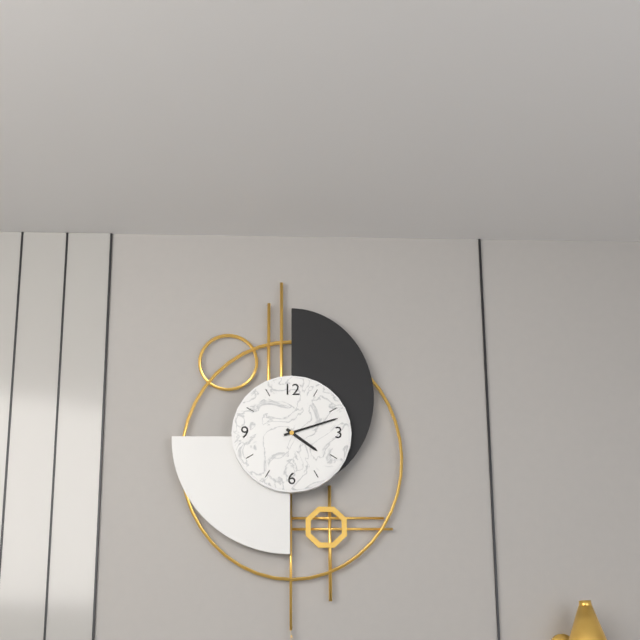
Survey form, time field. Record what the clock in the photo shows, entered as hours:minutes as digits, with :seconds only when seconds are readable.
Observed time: 4:12
